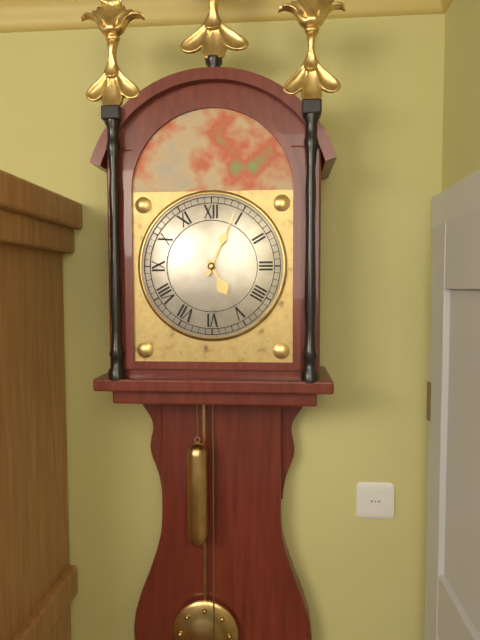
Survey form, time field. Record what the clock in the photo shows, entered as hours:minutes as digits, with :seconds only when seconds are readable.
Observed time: 5:04
